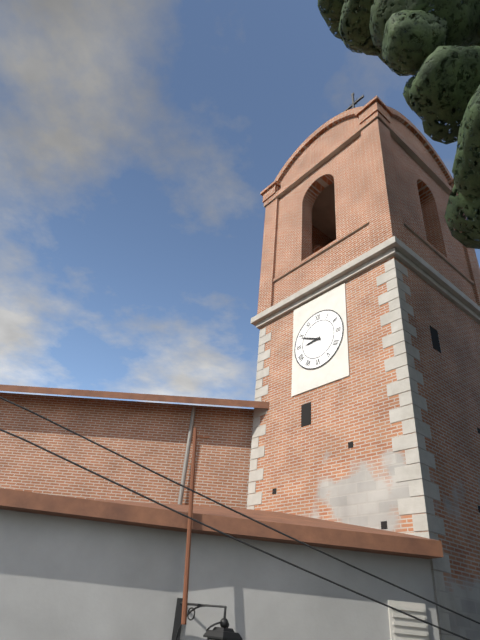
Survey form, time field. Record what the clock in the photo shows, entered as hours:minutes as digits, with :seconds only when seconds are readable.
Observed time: 8:49
